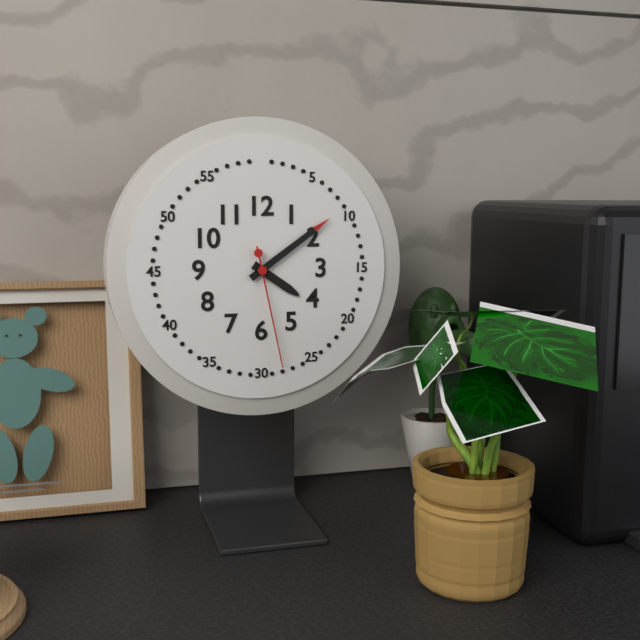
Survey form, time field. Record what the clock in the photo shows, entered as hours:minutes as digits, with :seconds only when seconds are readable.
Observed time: 4:09:28
